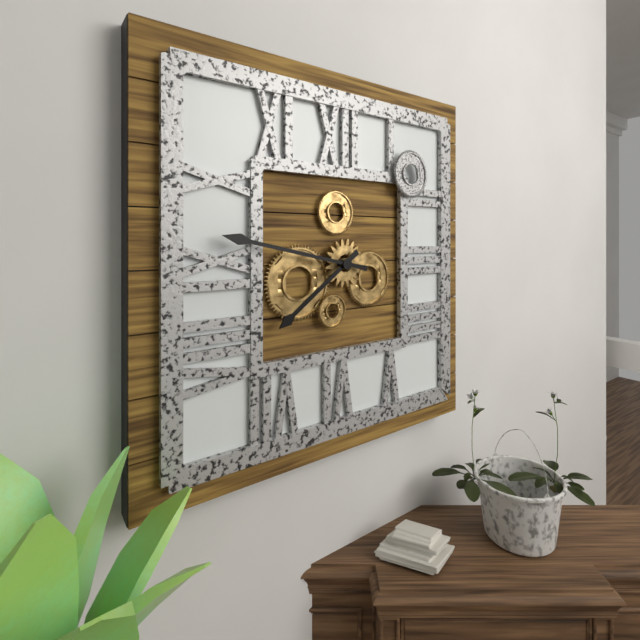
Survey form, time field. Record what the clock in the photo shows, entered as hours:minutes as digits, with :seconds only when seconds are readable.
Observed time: 7:47
